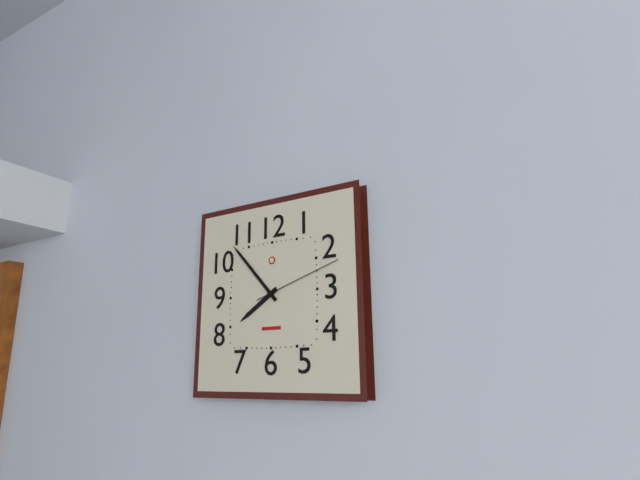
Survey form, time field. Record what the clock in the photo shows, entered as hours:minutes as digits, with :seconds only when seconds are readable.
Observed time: 7:53:12
